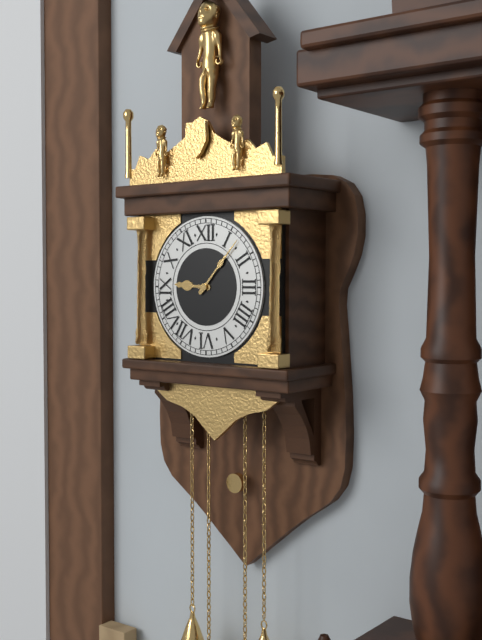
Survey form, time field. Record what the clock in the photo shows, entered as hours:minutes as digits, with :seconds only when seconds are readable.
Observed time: 9:07
